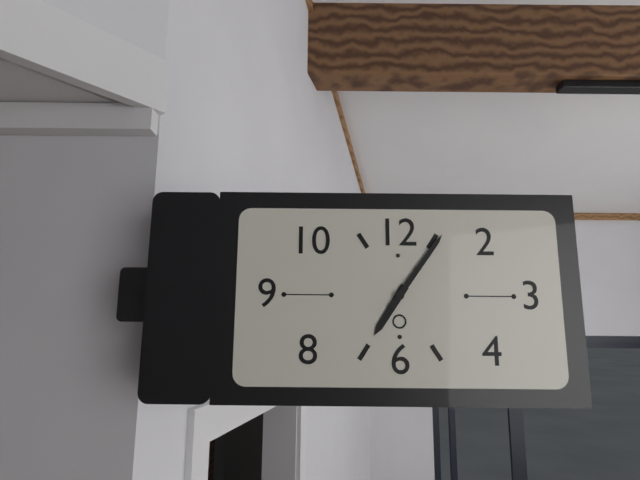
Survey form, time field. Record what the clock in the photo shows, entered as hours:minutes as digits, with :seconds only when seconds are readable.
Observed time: 7:06
